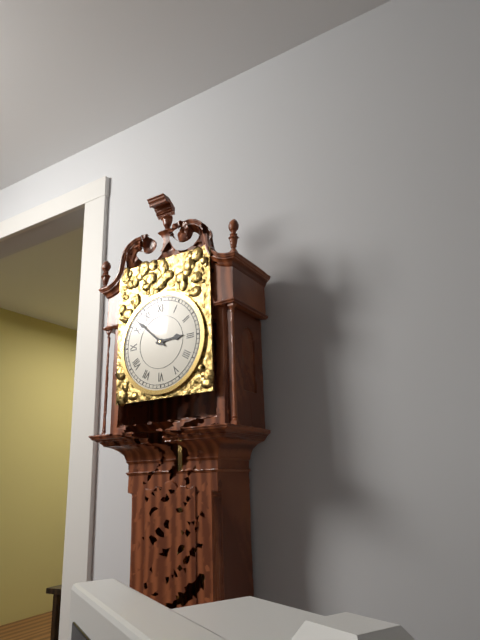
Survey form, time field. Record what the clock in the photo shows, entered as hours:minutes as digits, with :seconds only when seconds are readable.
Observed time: 2:52
